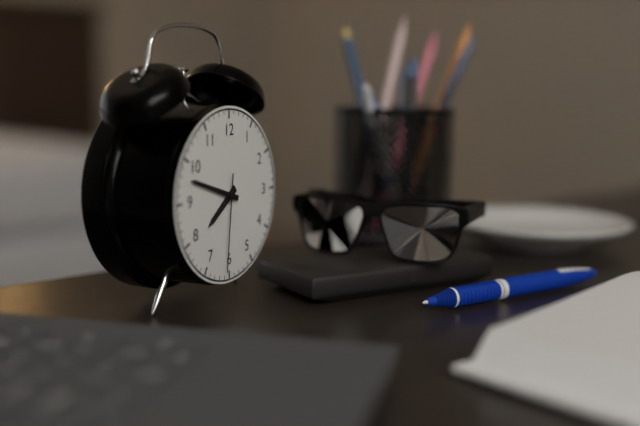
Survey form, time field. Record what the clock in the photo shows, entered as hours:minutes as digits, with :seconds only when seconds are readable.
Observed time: 7:48:31
